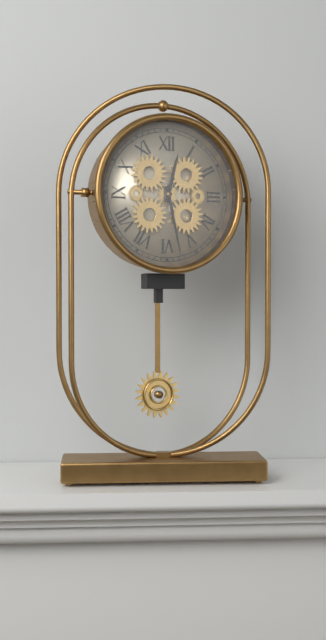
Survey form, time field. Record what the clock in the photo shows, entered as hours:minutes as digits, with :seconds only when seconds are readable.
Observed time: 12:28
